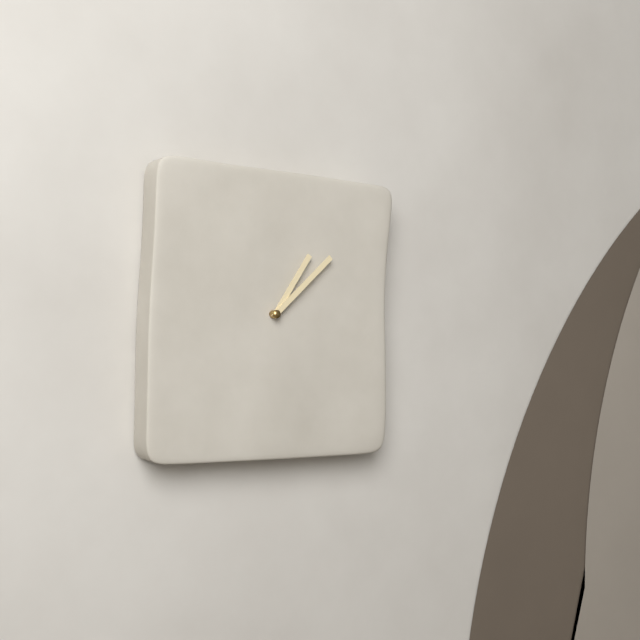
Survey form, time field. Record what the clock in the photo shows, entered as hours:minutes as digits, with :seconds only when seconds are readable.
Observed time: 1:08
